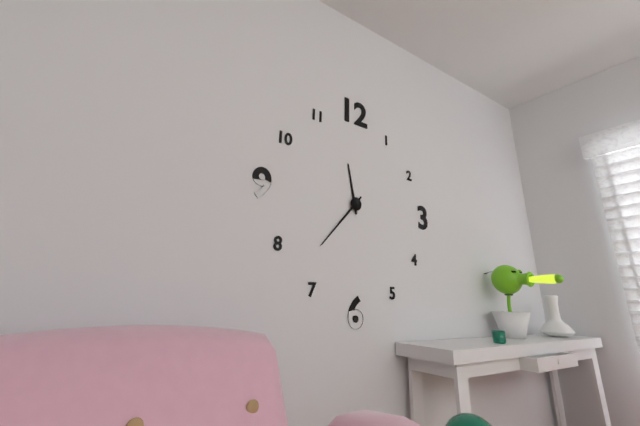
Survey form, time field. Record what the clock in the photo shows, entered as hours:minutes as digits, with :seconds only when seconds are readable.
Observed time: 11:37
